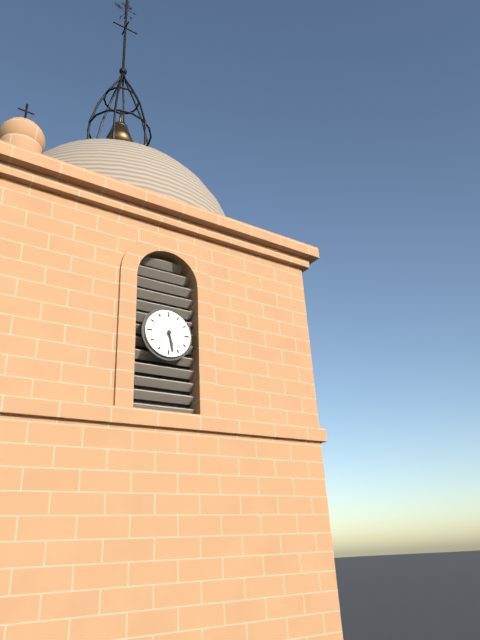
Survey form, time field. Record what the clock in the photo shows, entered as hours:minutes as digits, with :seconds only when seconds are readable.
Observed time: 5:28
